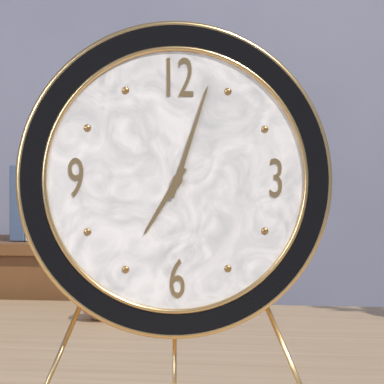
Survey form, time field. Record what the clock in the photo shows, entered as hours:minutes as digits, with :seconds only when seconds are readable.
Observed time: 7:03
